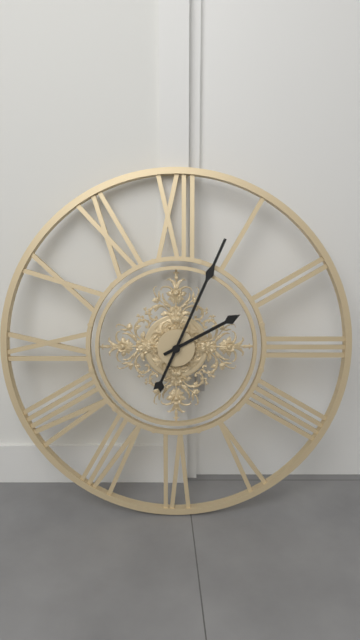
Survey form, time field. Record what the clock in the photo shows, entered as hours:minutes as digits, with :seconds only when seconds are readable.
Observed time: 2:04
